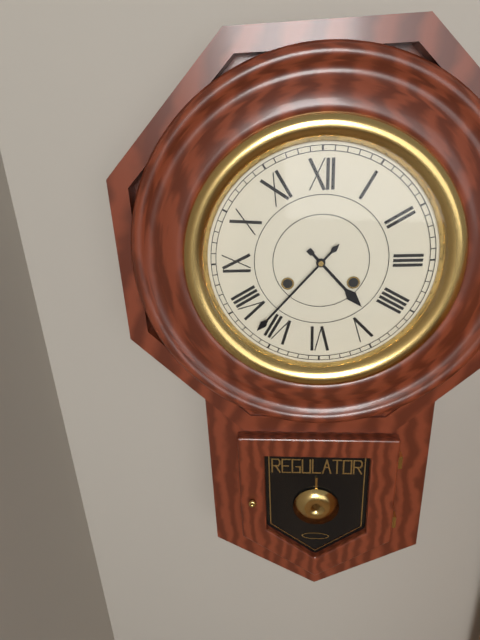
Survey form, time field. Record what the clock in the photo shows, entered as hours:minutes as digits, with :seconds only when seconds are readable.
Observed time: 4:37
